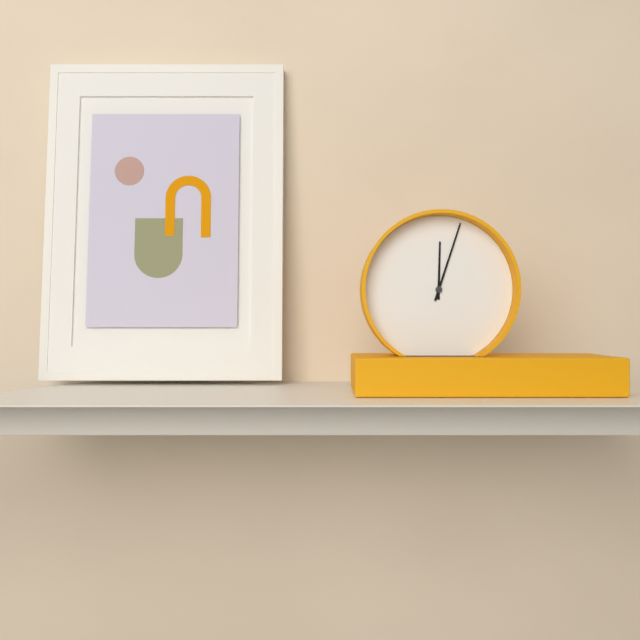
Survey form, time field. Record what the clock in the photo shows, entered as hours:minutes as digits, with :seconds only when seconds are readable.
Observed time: 12:03
